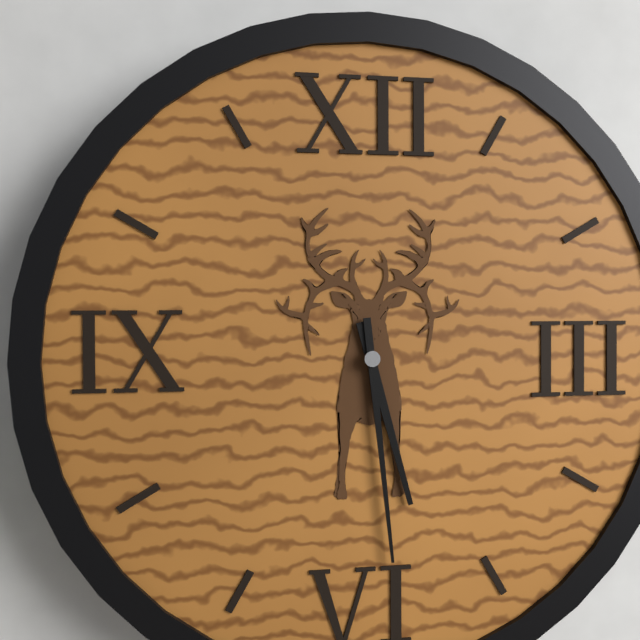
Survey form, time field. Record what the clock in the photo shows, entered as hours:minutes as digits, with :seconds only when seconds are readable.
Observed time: 5:29
